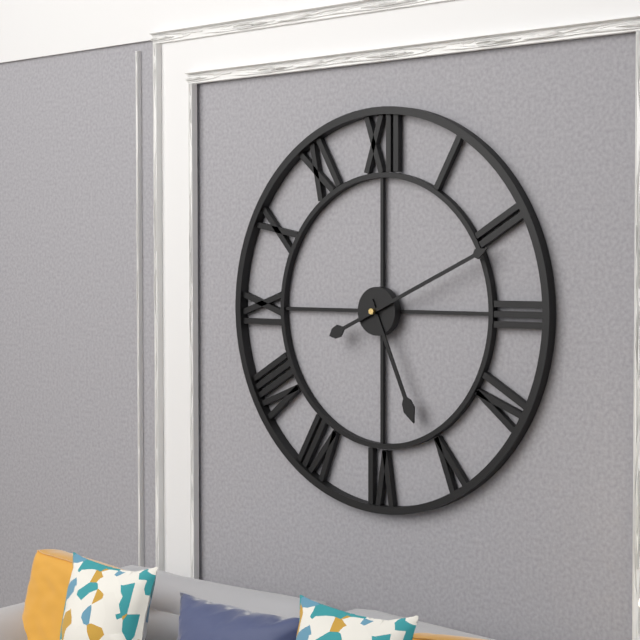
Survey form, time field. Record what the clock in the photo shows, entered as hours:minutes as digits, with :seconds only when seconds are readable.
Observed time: 5:11
